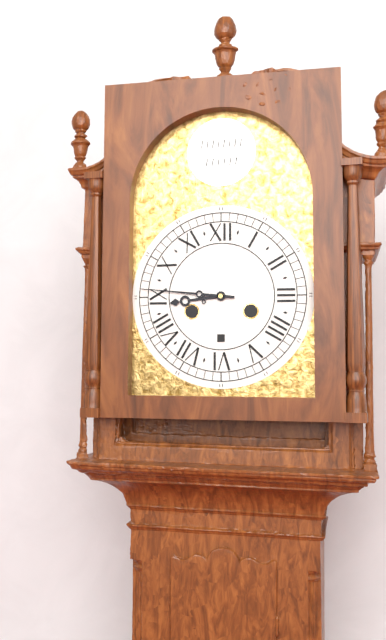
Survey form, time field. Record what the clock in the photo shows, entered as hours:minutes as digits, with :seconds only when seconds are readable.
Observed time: 8:46
